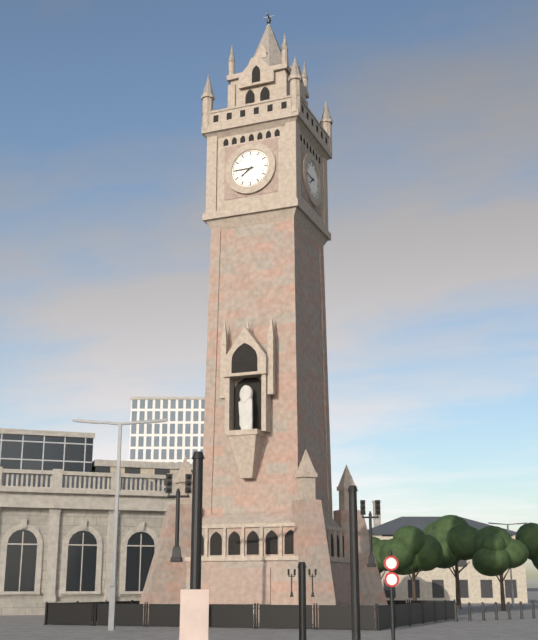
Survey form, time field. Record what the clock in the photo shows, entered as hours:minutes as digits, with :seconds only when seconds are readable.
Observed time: 7:45
